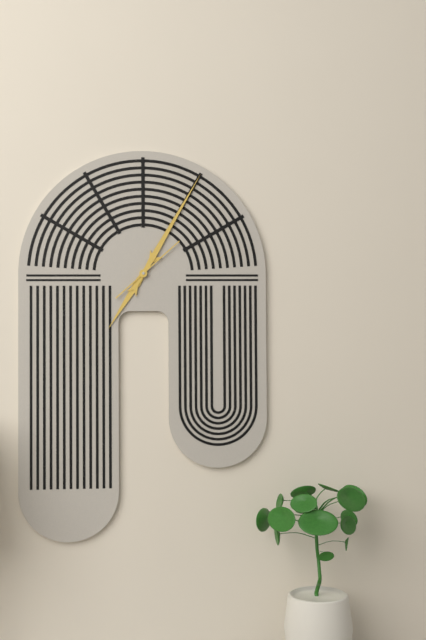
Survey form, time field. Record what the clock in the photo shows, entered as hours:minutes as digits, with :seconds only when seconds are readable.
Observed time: 7:05:08
